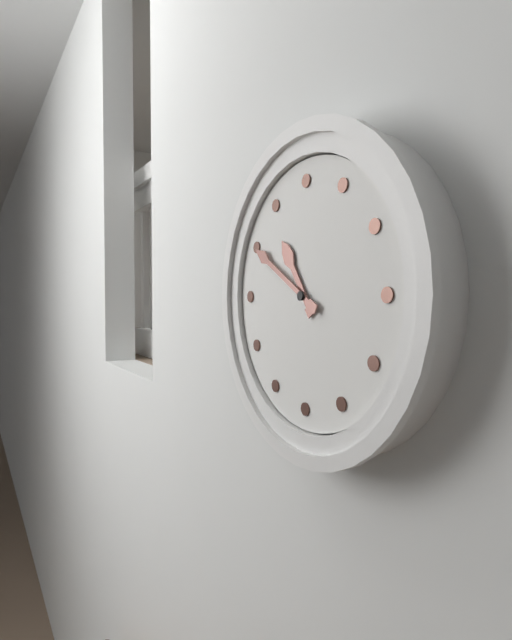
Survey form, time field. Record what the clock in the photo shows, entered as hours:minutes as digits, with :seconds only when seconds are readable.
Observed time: 10:50
